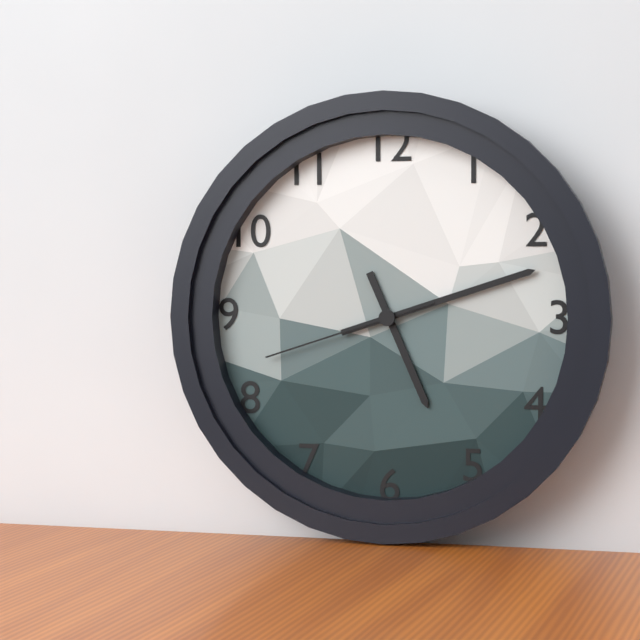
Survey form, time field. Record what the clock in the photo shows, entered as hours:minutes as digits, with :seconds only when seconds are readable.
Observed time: 5:12:42
